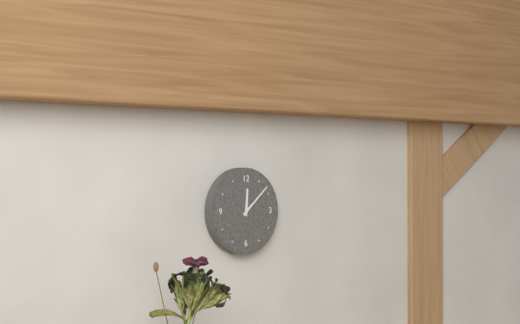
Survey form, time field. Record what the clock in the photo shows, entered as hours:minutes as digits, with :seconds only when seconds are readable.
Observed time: 12:08
